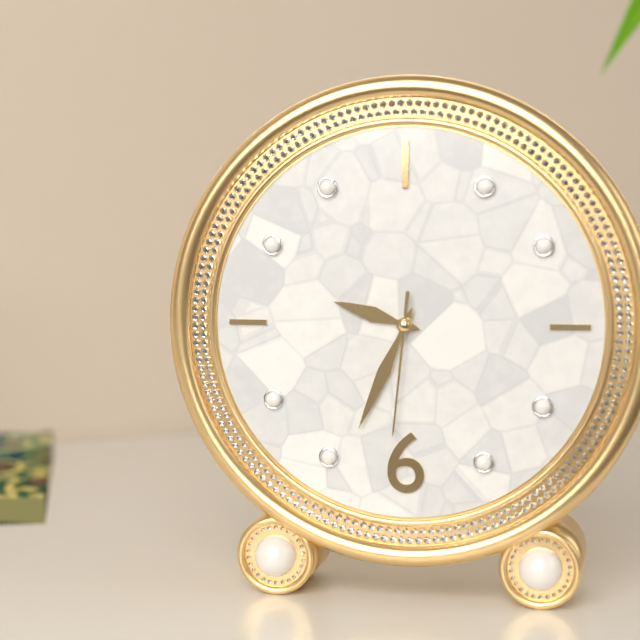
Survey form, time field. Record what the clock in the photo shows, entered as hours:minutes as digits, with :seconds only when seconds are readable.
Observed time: 9:34:31
